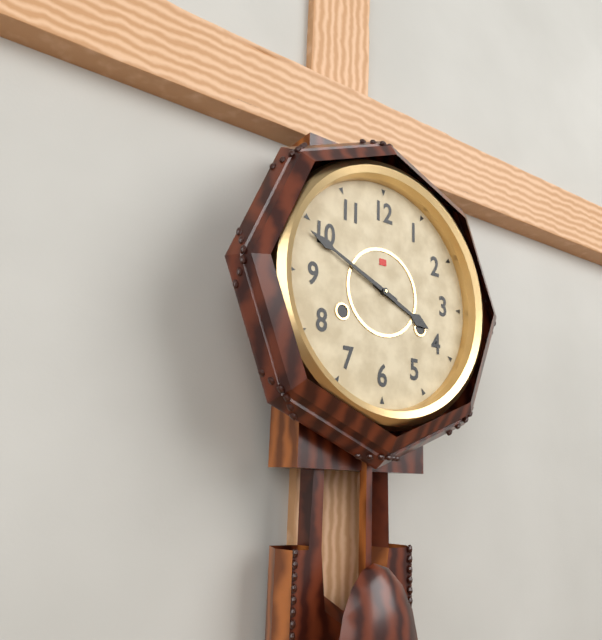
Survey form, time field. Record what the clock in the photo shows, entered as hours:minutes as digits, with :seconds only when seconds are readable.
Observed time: 3:49
